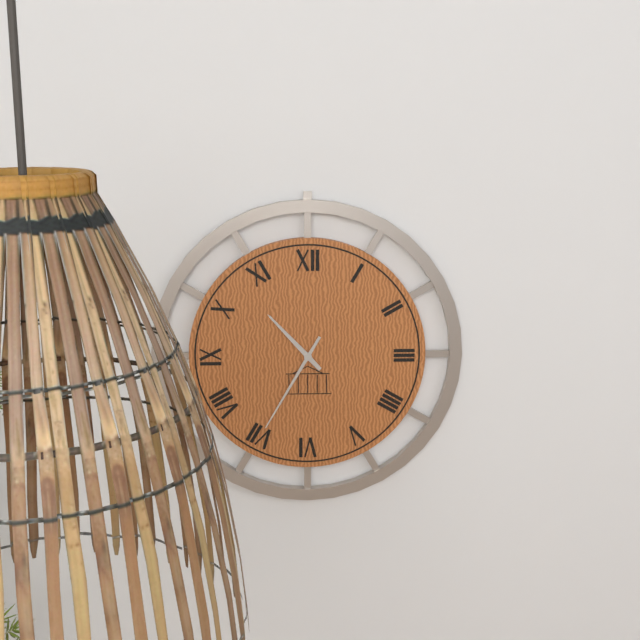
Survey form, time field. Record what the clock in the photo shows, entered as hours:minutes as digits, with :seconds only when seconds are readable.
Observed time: 10:35
